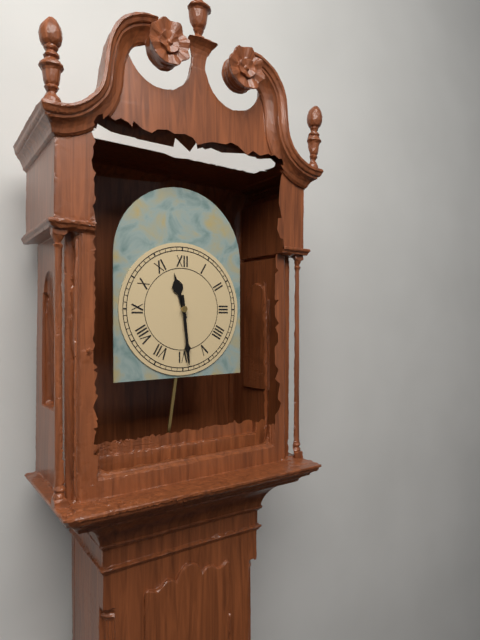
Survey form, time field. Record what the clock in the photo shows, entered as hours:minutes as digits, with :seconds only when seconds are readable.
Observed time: 11:29
